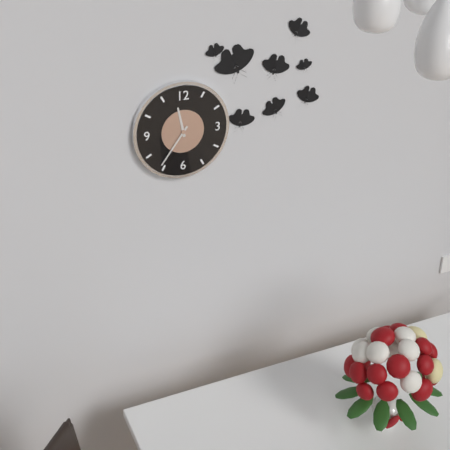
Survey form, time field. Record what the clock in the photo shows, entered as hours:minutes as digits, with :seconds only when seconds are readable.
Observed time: 11:36
